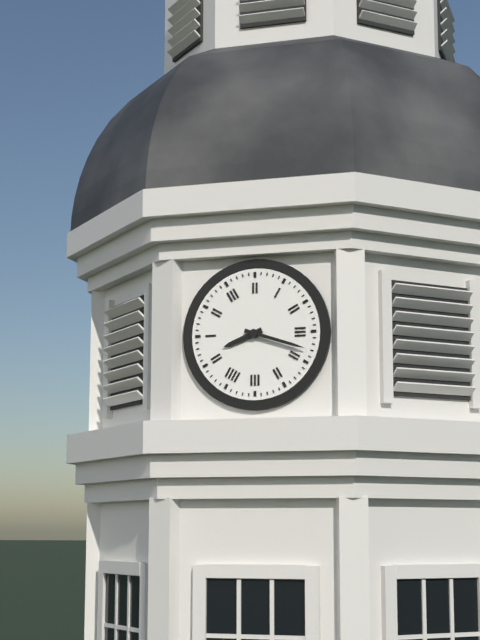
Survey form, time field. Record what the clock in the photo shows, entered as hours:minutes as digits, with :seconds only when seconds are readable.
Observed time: 8:18
